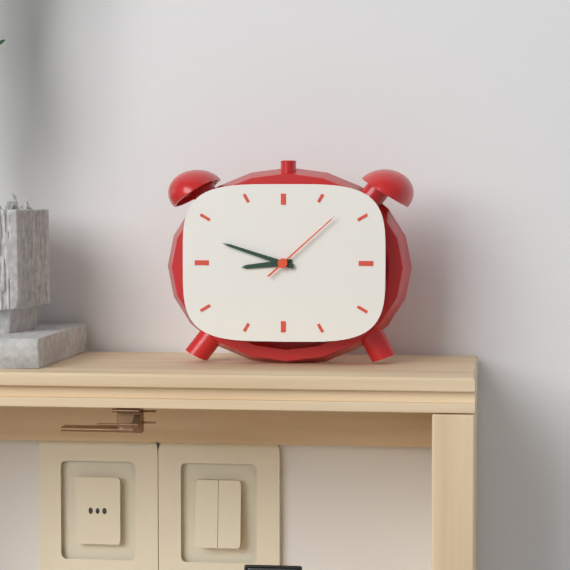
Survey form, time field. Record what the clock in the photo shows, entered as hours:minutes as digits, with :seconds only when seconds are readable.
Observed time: 8:48:08
